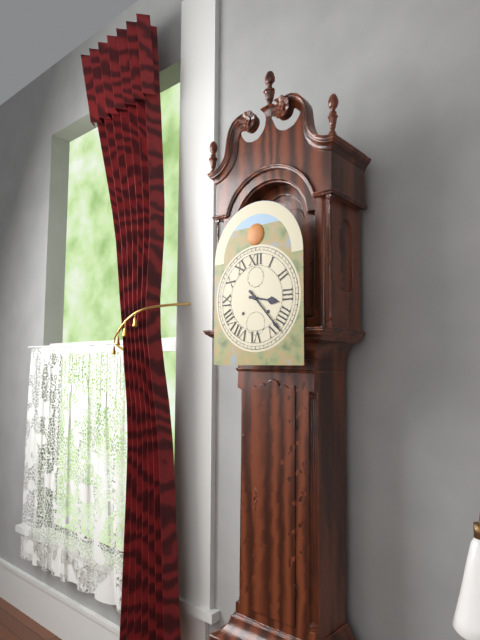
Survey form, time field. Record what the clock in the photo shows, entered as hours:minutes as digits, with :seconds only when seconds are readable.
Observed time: 3:23
